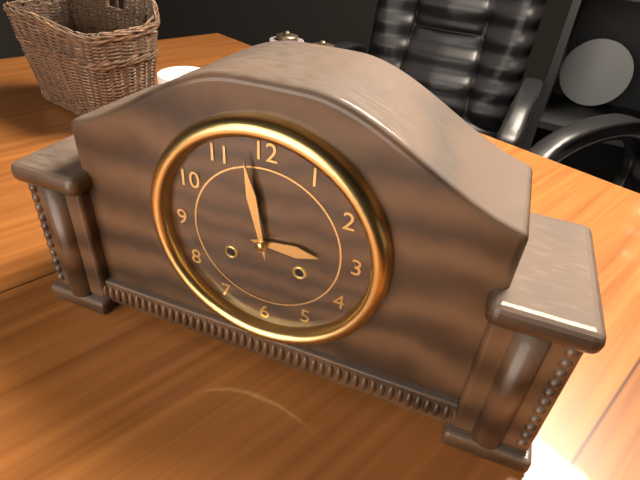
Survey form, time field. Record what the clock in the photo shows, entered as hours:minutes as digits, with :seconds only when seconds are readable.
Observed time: 2:58
